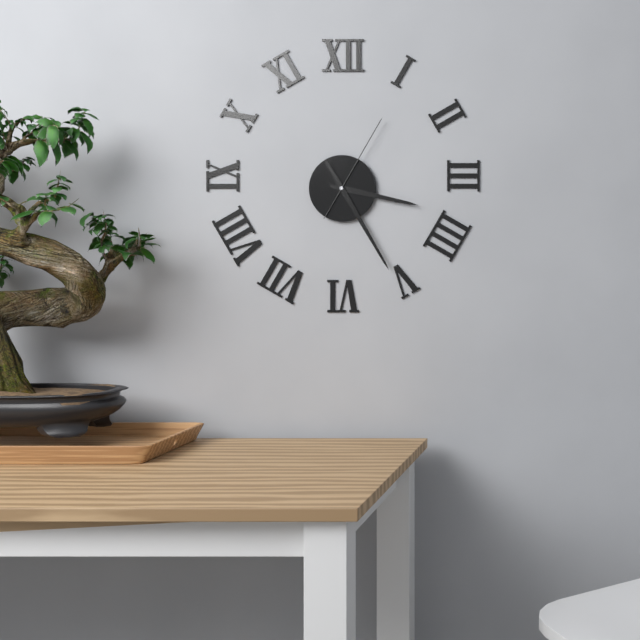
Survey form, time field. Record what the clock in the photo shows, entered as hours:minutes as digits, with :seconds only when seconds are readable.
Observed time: 3:25:05
